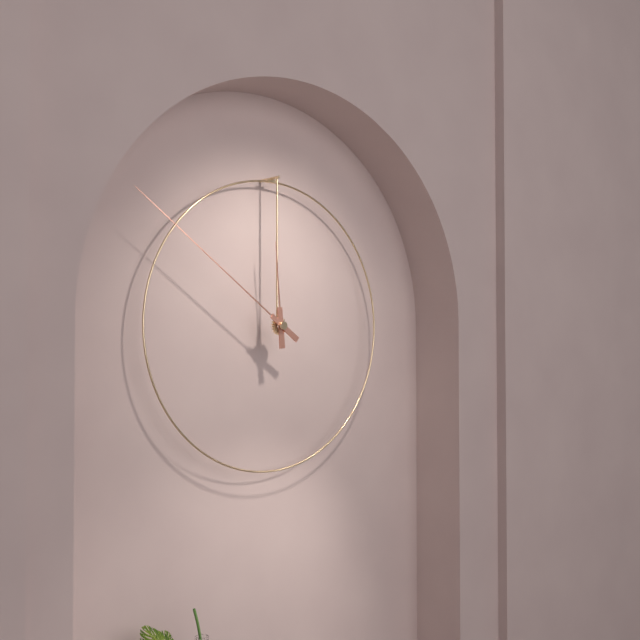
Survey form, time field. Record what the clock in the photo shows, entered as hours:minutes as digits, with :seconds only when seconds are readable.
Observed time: 11:51
